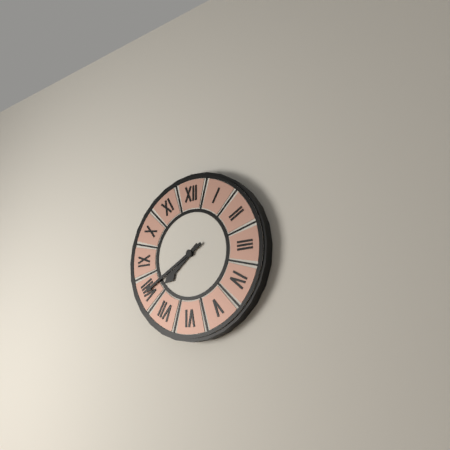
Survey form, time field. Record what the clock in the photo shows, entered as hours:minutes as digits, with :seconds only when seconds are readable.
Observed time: 7:40
